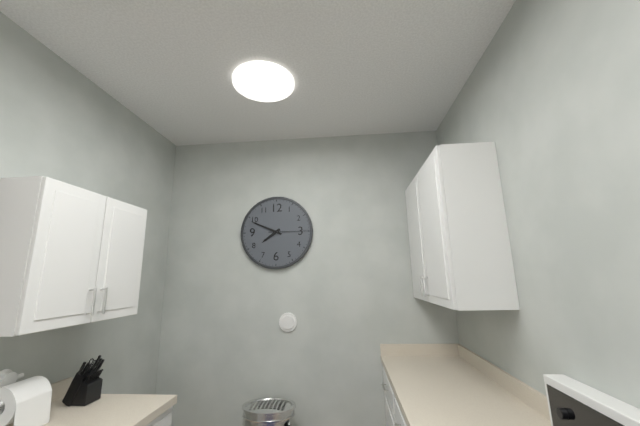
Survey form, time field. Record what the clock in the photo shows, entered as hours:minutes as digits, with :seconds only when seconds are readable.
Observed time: 7:49
